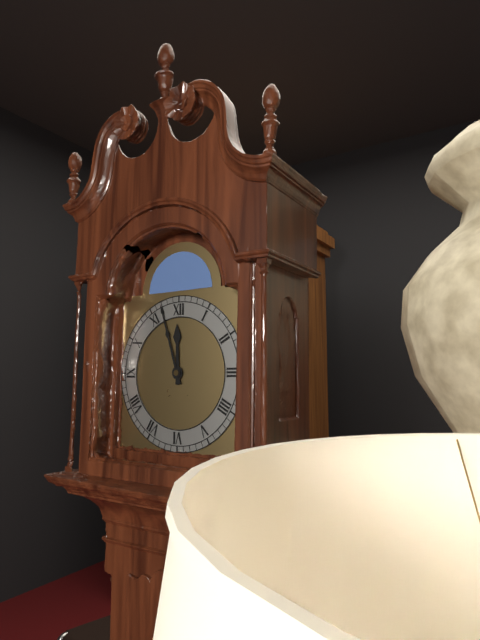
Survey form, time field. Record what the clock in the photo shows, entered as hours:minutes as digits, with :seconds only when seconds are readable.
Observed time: 11:57
